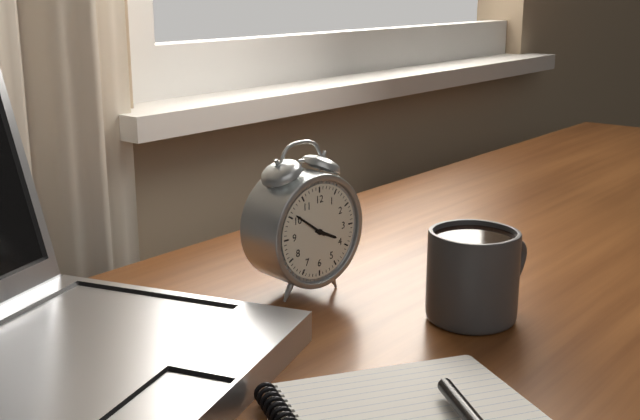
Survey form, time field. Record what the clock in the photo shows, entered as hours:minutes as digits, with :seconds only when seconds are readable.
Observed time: 3:51
